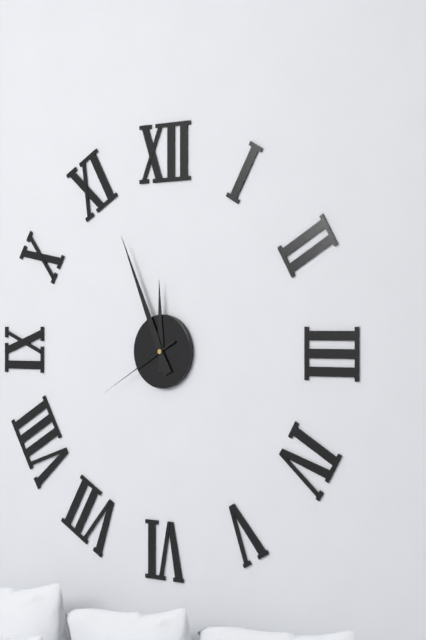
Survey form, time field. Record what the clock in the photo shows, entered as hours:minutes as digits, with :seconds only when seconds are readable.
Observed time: 11:56:40
